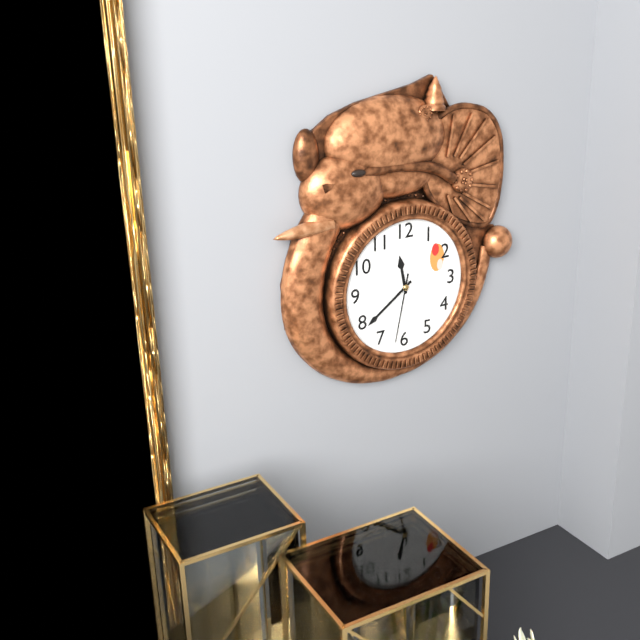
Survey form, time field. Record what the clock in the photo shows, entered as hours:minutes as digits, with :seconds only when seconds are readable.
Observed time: 11:39:32
